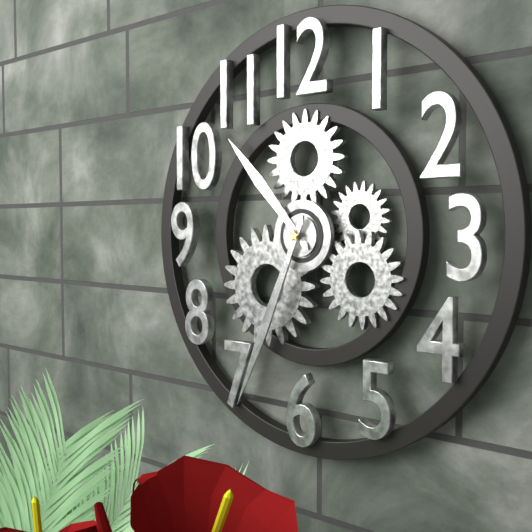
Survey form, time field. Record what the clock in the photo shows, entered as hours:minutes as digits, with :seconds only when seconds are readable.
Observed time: 10:34
